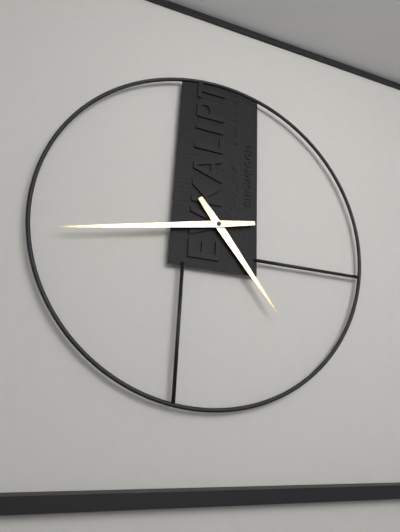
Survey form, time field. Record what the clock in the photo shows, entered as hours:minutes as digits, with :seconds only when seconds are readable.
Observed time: 4:43
